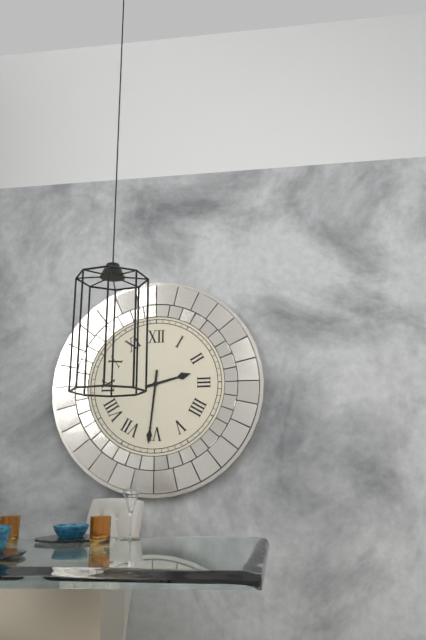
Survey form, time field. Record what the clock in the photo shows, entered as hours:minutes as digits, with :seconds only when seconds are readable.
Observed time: 2:31
